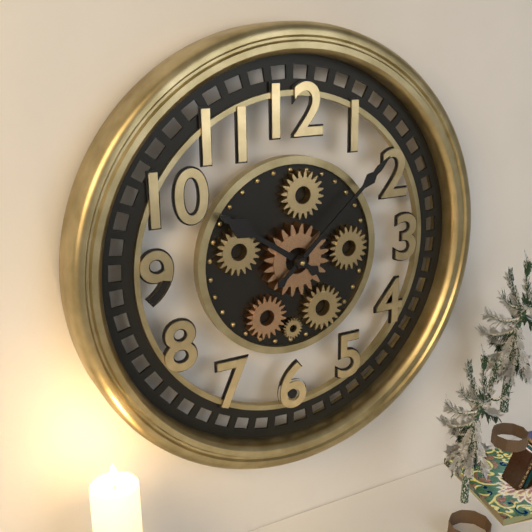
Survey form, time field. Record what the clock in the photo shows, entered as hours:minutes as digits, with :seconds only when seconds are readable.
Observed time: 10:08
